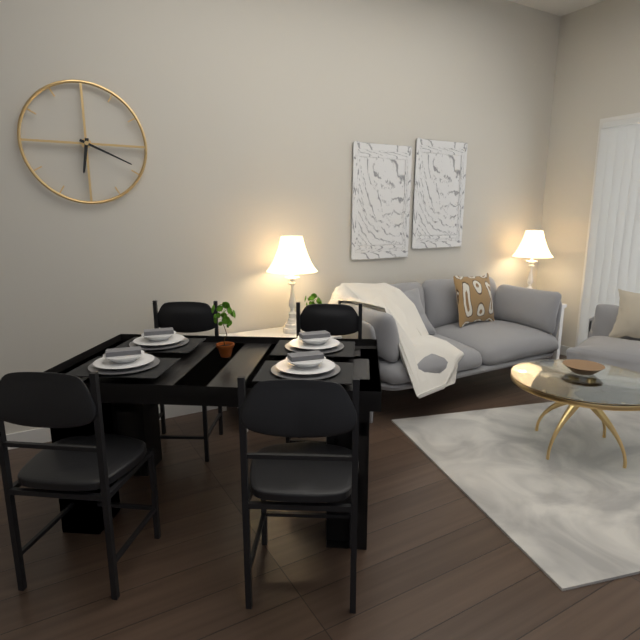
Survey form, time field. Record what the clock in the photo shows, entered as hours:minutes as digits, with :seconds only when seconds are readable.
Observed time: 6:19
